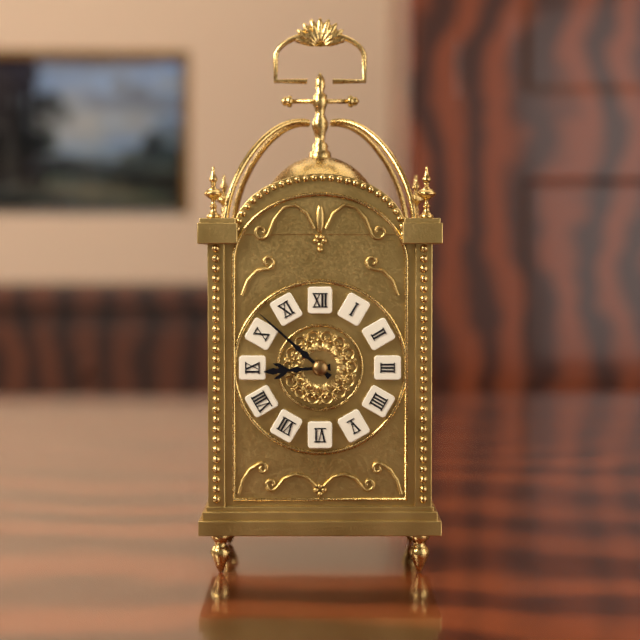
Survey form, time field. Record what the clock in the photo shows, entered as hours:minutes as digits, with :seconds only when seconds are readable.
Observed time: 8:52
